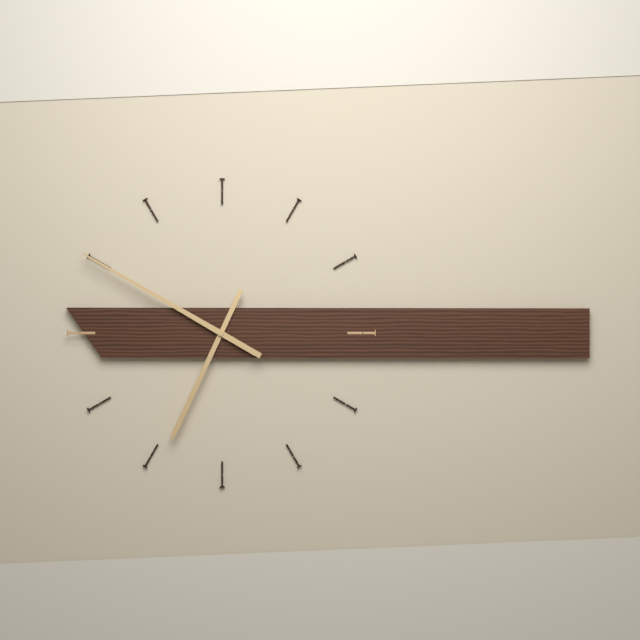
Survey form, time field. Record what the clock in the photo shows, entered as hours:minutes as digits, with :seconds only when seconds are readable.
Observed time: 6:50
